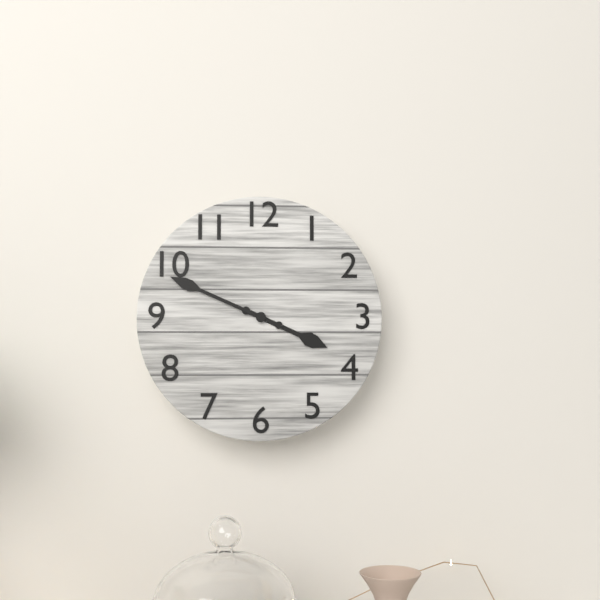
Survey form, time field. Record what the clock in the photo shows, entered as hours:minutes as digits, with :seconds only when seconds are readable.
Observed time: 3:49
